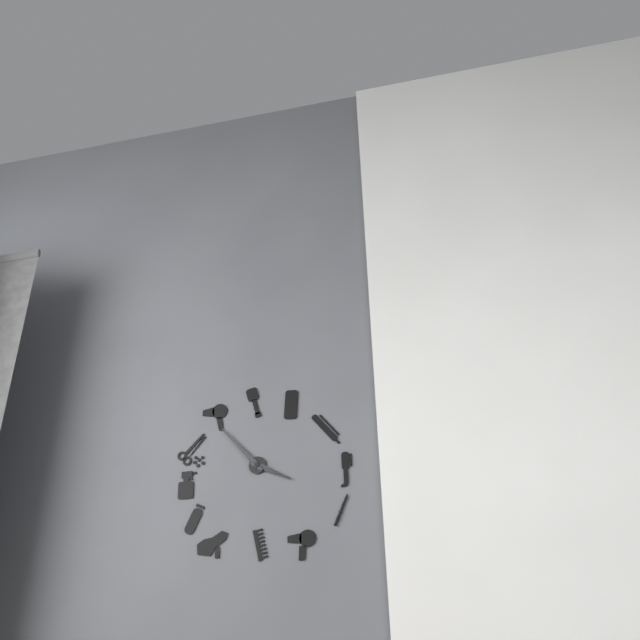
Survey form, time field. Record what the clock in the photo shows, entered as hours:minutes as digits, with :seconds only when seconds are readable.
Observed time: 3:53
